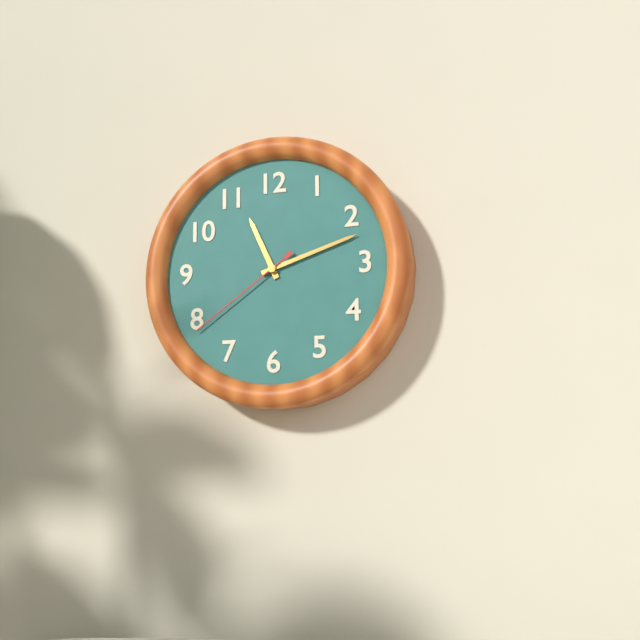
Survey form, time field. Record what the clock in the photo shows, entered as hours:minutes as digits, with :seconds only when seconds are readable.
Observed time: 11:12:39
